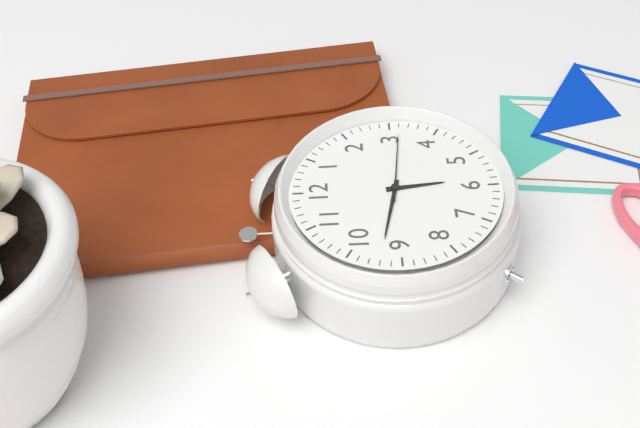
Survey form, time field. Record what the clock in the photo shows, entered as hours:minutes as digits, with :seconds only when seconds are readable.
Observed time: 5:47:16
